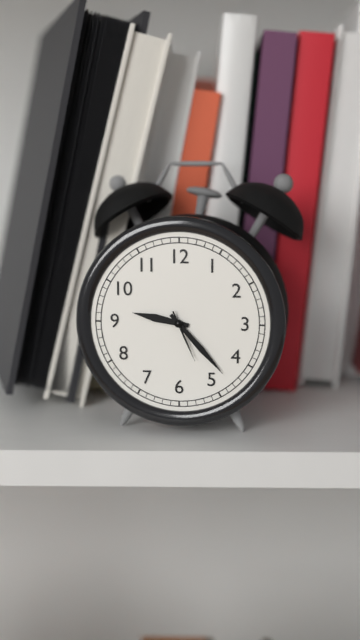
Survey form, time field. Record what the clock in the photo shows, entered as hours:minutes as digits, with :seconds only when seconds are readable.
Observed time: 9:23:26
